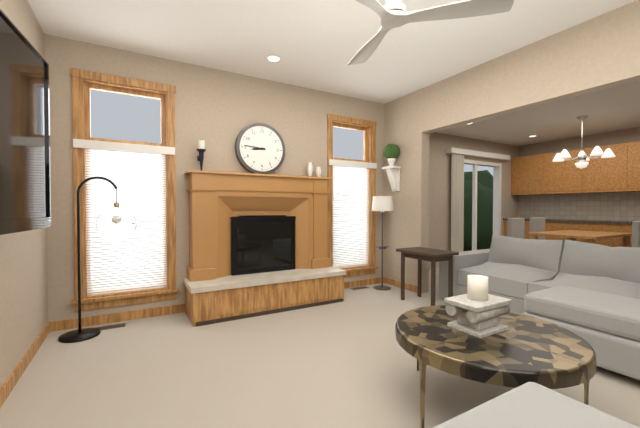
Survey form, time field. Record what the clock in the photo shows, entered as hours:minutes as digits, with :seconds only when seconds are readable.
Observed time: 8:46
